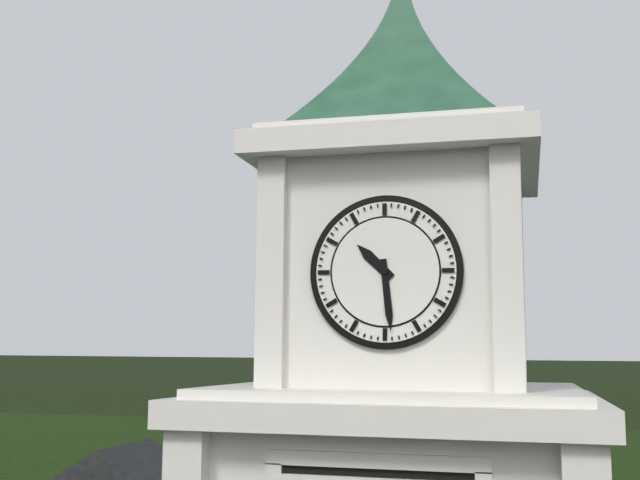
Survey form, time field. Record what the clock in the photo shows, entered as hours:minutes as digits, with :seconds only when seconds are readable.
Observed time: 10:29
